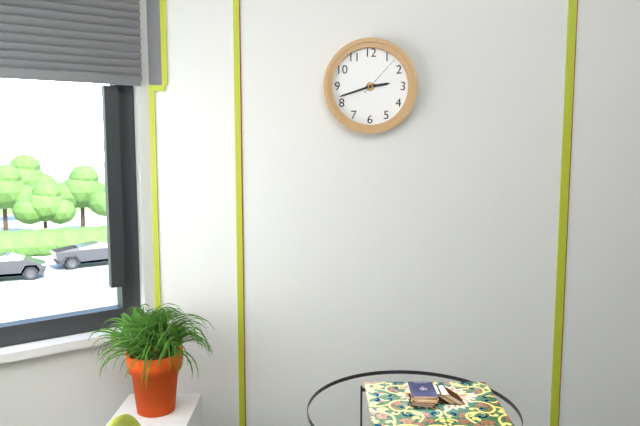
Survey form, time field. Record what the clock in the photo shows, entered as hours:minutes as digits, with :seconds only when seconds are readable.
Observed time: 2:42
